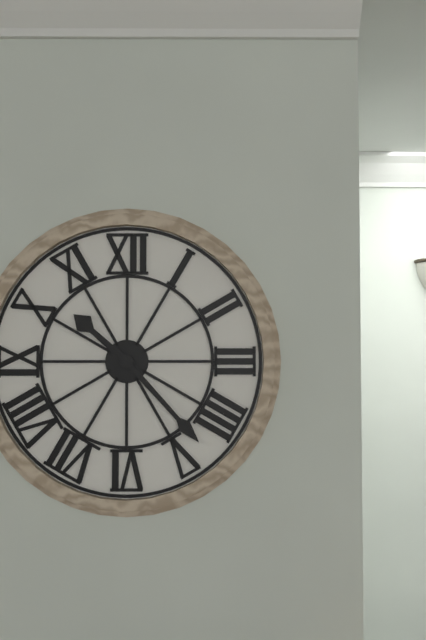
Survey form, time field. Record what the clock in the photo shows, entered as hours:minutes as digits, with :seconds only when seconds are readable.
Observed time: 10:23
